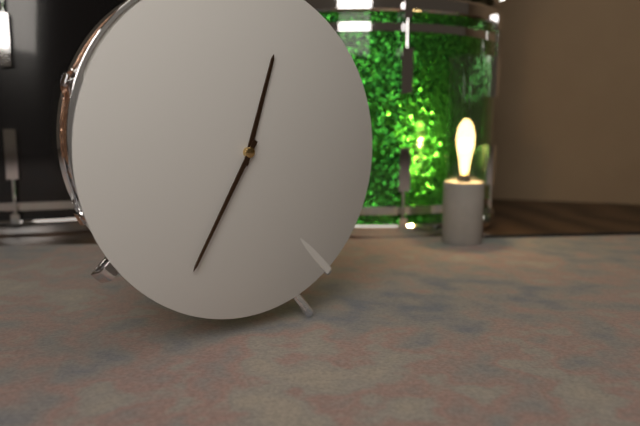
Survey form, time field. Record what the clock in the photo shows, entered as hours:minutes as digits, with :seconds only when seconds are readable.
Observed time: 12:35
